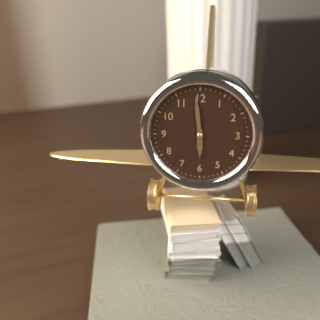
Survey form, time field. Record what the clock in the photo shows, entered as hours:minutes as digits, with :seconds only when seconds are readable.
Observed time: 5:59
